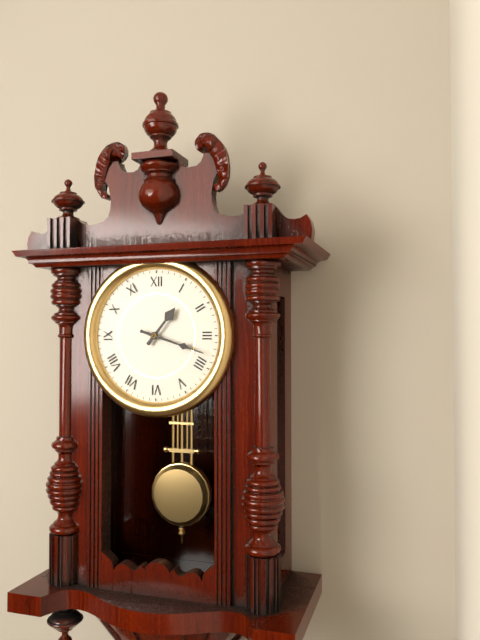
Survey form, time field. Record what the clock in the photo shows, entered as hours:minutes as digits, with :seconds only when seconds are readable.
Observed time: 1:18
